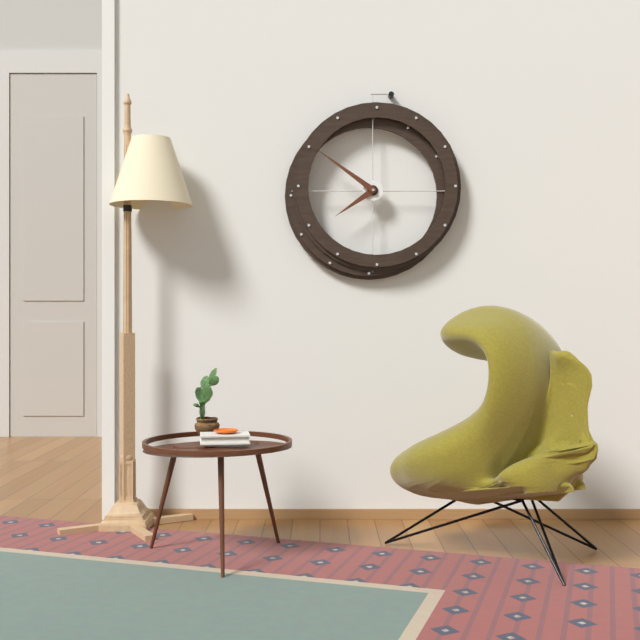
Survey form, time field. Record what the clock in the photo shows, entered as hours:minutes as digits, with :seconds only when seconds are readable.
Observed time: 7:51
